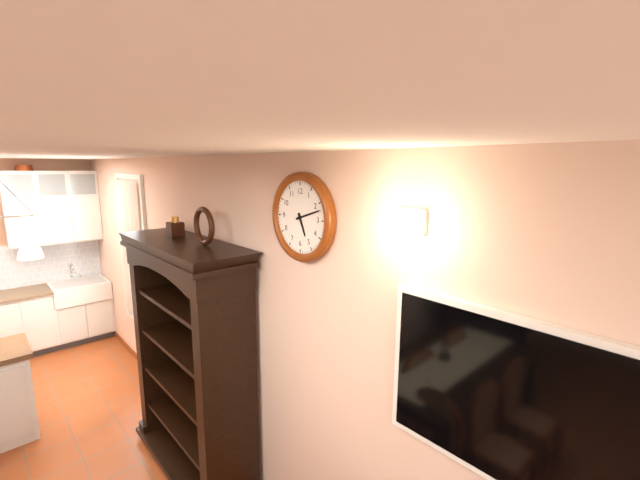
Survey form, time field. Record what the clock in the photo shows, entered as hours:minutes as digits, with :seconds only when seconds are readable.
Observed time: 5:12
